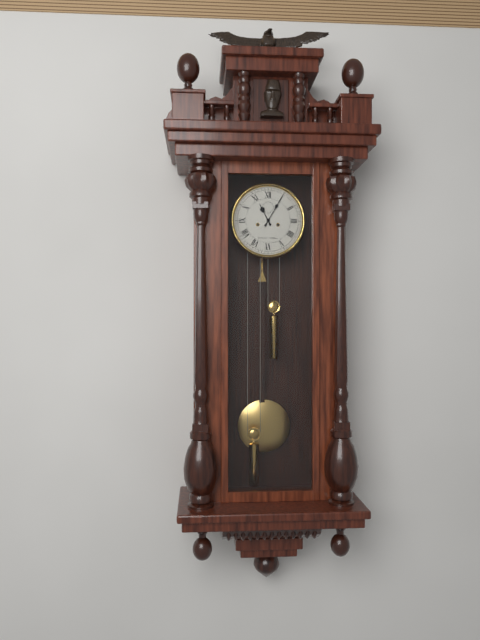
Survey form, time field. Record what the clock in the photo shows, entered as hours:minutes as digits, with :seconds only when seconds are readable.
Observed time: 11:05
